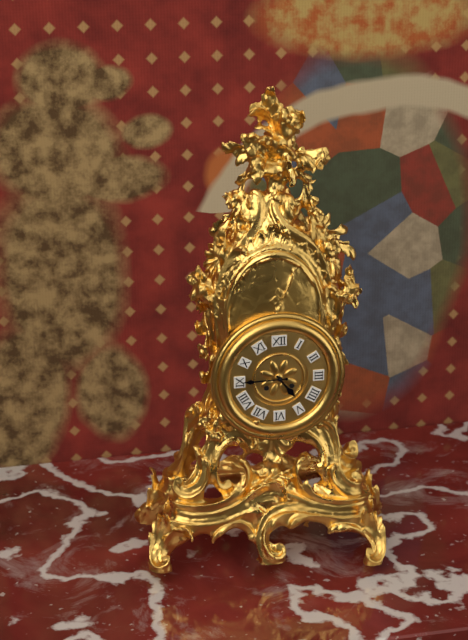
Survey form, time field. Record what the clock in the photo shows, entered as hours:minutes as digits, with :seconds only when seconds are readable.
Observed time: 4:45
